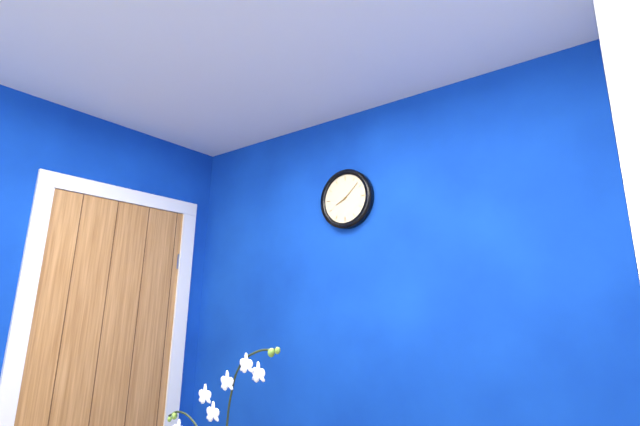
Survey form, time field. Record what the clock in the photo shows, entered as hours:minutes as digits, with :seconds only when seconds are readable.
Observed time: 8:08
